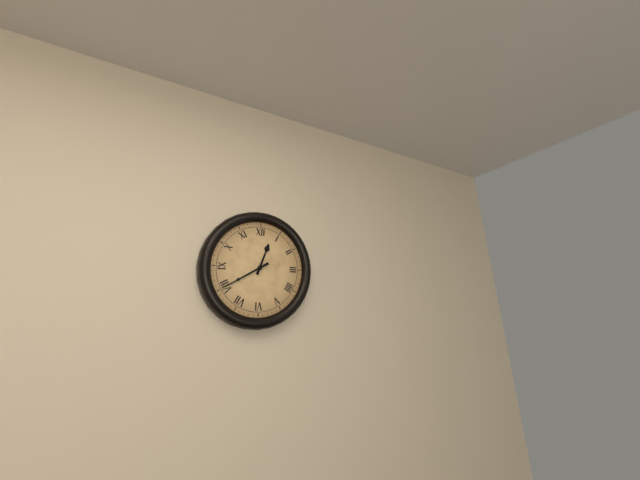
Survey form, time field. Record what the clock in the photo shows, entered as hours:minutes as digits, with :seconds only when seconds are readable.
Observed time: 12:40
